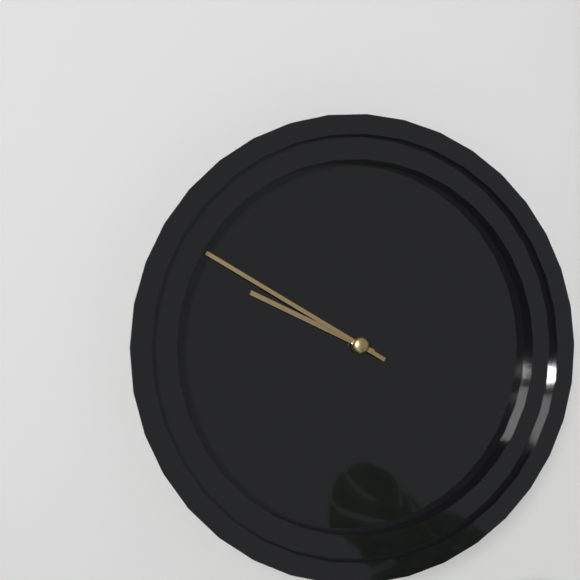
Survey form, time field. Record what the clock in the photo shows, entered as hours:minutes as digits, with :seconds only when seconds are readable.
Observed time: 9:50
